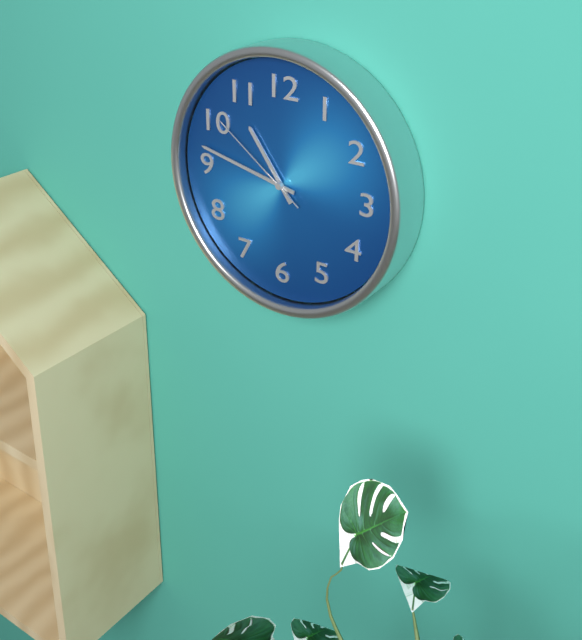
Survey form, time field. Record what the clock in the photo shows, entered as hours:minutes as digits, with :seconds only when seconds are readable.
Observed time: 10:47:51
